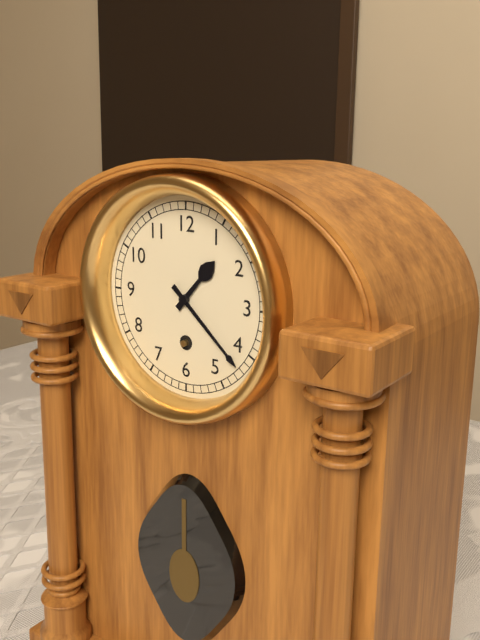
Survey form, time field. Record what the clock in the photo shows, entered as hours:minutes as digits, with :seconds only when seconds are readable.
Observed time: 1:22
